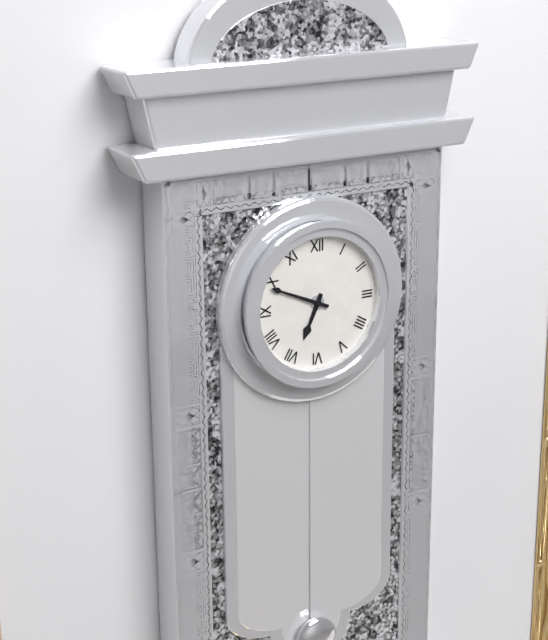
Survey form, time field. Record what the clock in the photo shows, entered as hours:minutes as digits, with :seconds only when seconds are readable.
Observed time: 6:49
